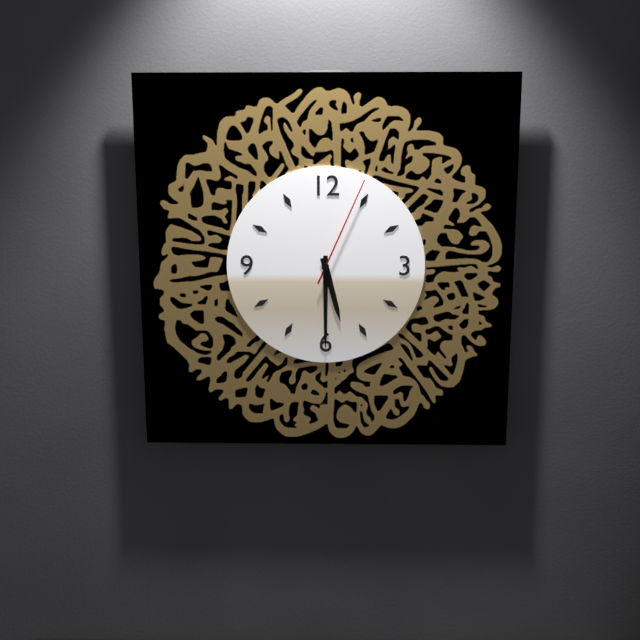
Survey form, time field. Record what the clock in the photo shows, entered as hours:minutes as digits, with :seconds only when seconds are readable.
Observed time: 5:30:04
